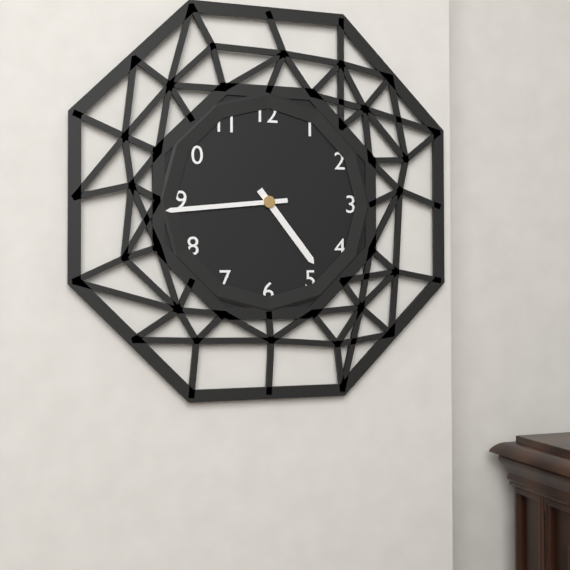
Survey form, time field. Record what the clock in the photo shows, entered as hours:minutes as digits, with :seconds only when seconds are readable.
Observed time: 4:44
